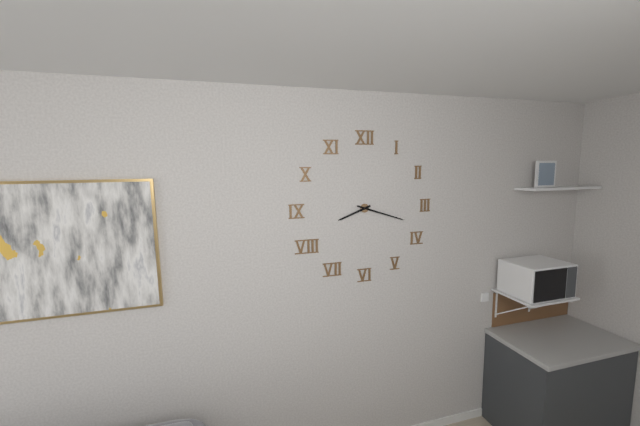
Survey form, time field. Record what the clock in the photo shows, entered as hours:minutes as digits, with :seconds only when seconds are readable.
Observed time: 8:18
